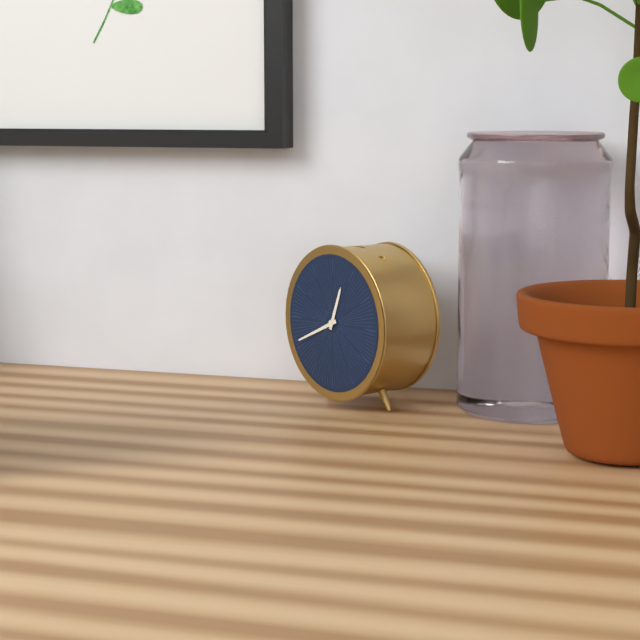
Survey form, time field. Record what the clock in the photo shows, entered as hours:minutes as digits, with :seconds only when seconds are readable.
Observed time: 12:41
